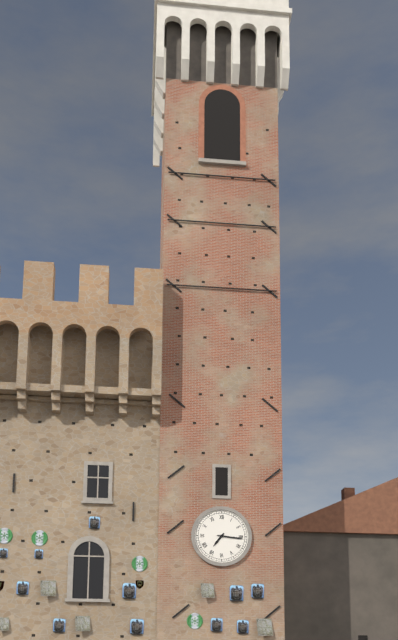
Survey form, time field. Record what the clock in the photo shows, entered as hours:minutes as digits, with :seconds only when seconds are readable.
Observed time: 7:16
